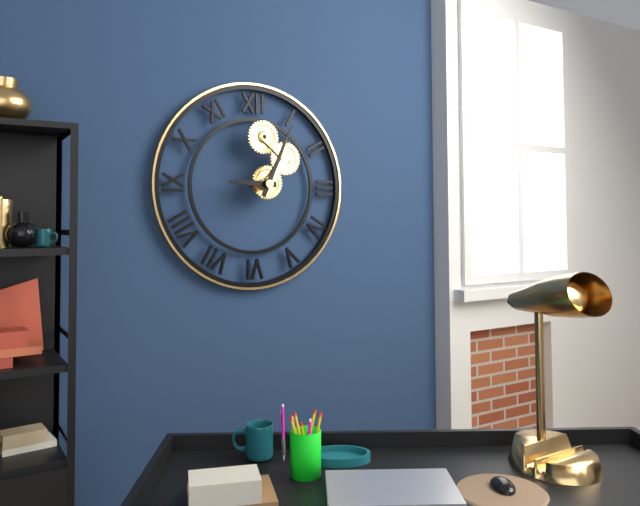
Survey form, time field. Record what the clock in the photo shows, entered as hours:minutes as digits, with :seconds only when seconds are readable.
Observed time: 9:04
